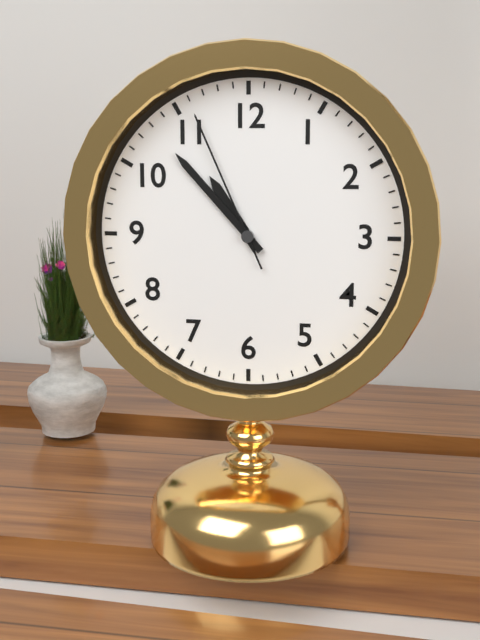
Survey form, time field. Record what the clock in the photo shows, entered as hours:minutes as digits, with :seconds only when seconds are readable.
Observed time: 10:53:56
